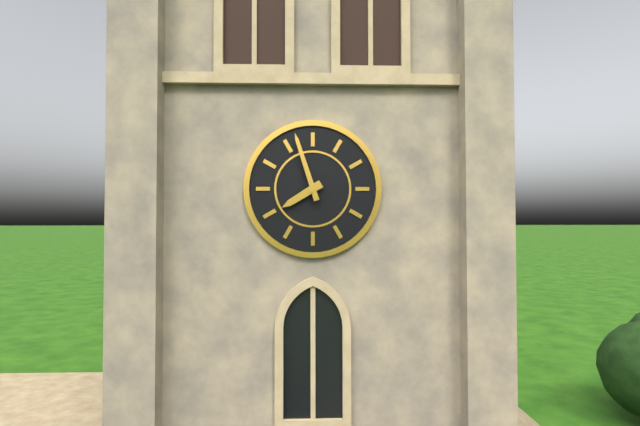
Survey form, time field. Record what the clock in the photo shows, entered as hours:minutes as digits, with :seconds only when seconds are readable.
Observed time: 7:57
